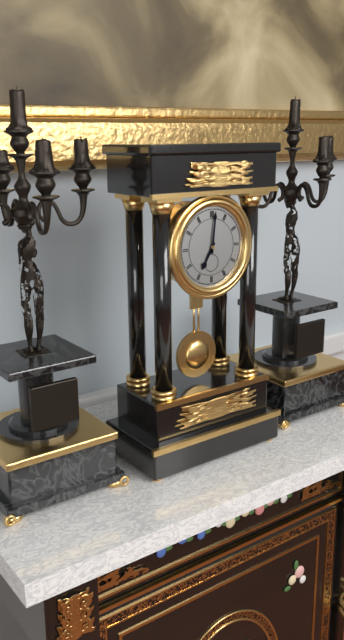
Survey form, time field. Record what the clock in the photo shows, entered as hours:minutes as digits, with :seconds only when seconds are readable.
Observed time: 7:01
